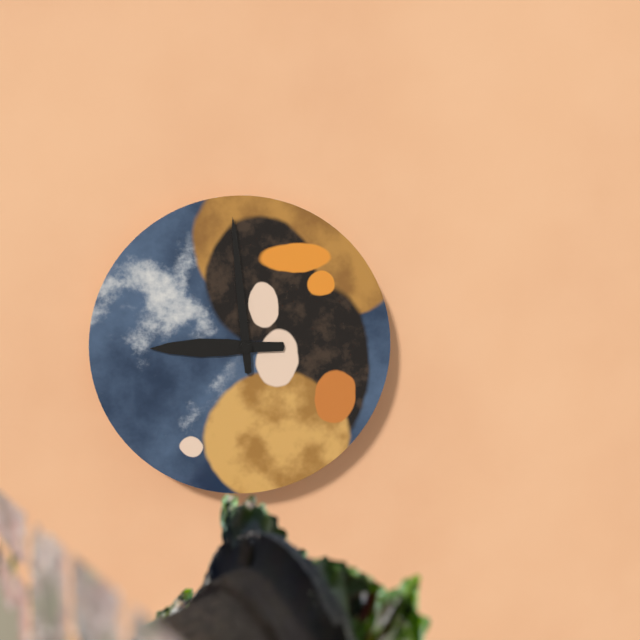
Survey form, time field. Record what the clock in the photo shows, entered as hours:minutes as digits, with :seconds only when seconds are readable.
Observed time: 8:59
